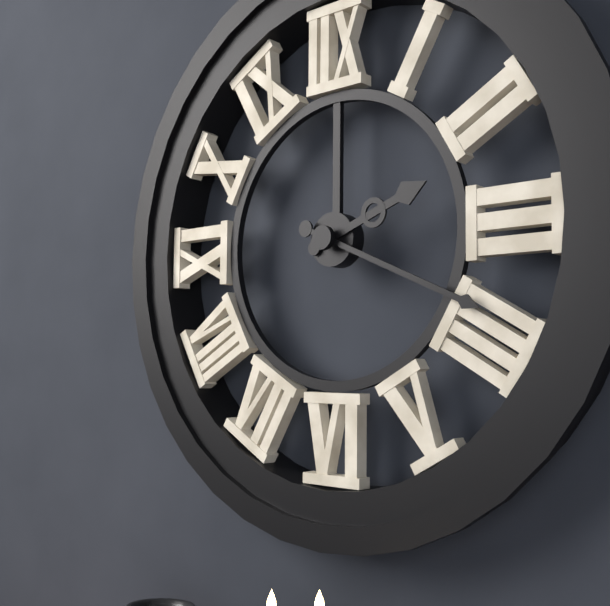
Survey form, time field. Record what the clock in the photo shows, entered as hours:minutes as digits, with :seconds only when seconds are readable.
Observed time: 2:19
